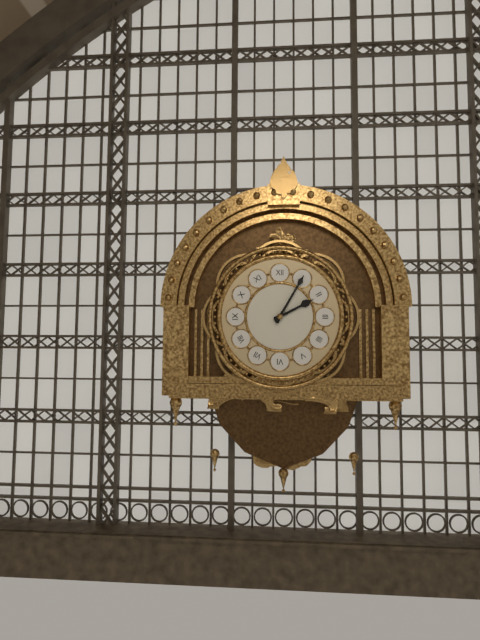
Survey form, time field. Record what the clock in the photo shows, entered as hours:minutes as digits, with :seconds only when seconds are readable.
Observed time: 2:05
